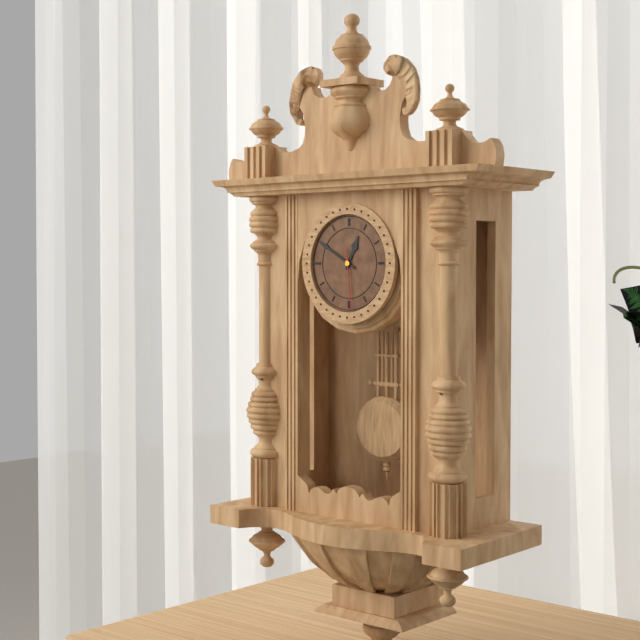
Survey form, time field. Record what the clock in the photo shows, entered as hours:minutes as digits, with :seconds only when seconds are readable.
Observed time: 12:50:29
